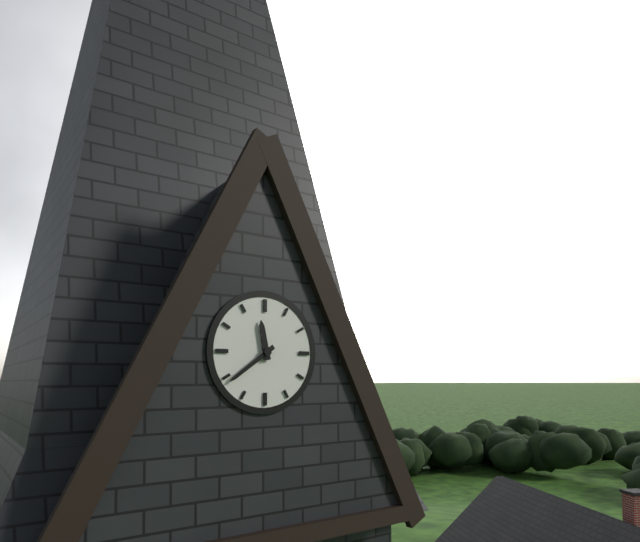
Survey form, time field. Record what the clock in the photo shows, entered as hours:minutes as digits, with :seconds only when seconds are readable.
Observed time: 11:39
